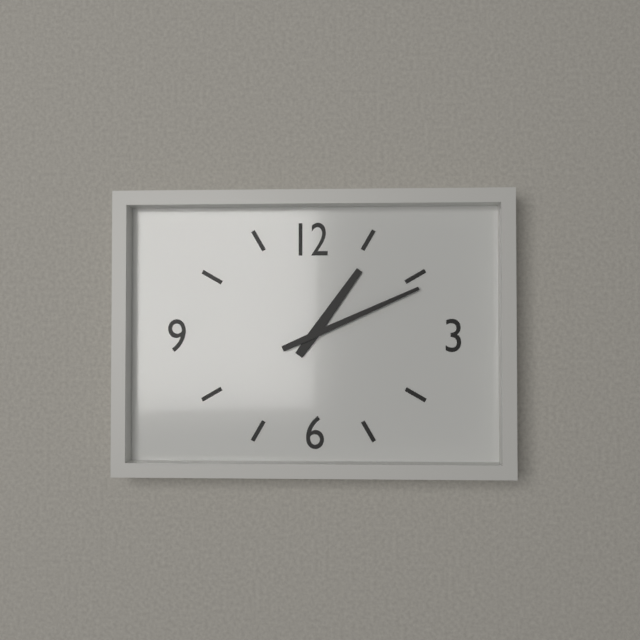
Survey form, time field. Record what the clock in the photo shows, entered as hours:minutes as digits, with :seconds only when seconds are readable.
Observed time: 1:11
